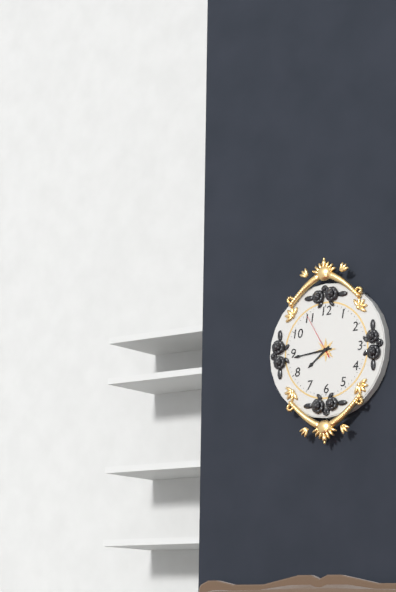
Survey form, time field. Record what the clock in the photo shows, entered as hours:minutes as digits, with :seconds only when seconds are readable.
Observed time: 7:44
